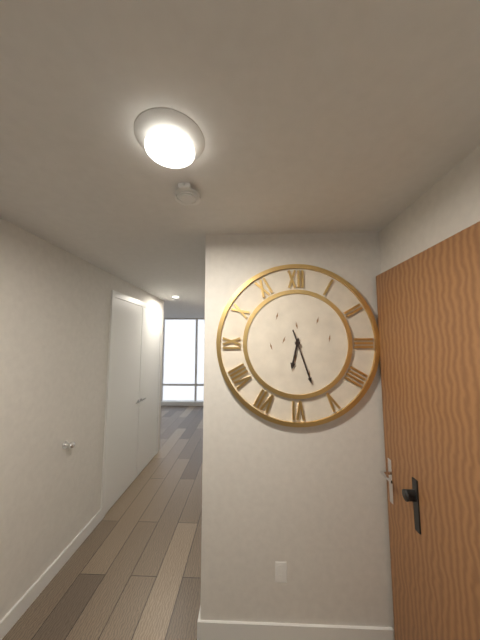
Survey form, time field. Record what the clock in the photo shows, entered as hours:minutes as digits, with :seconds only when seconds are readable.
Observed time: 6:27
